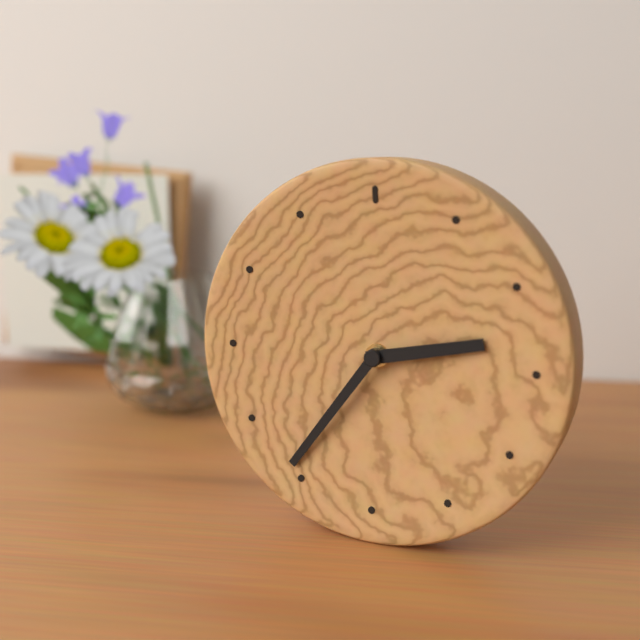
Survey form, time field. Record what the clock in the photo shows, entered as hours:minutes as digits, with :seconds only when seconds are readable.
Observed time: 2:36
